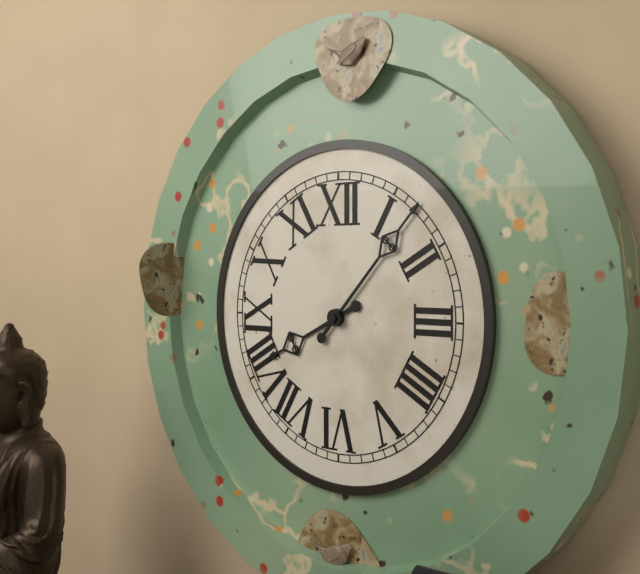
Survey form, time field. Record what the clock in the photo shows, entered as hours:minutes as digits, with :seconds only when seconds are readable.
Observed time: 8:07
